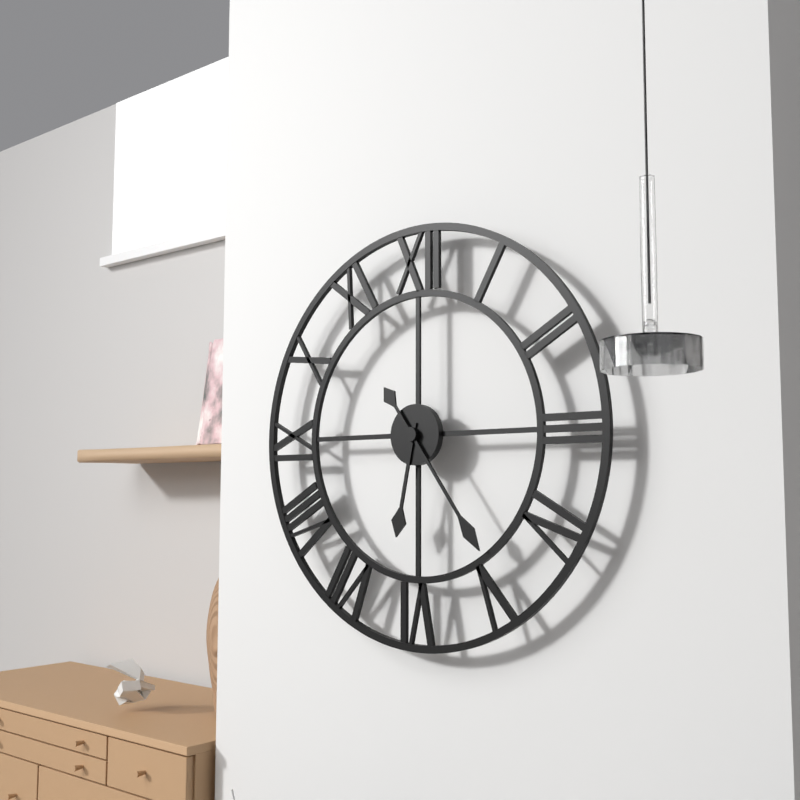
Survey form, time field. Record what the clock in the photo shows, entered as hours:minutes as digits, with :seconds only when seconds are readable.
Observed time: 6:24
